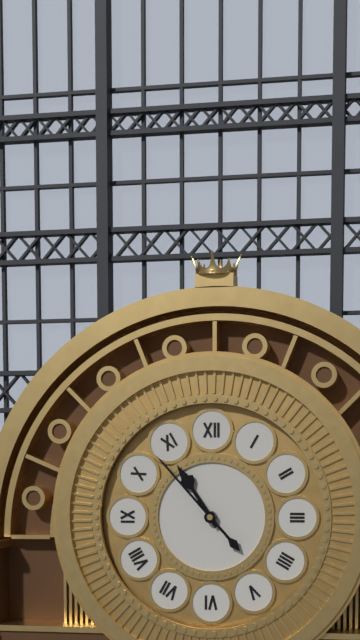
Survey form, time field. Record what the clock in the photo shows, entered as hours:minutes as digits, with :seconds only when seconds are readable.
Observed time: 10:53
